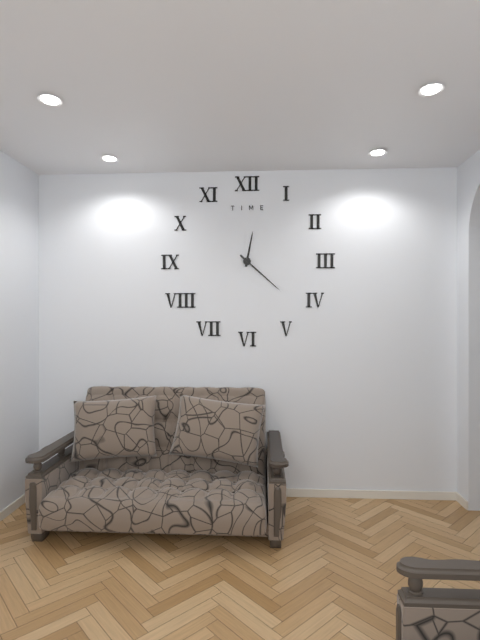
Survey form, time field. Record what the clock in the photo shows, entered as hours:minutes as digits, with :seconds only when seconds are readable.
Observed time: 12:22
